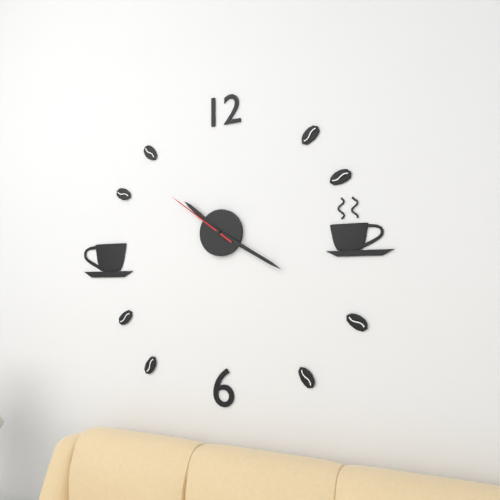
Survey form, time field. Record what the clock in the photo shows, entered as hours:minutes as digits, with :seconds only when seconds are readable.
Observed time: 10:20:51
